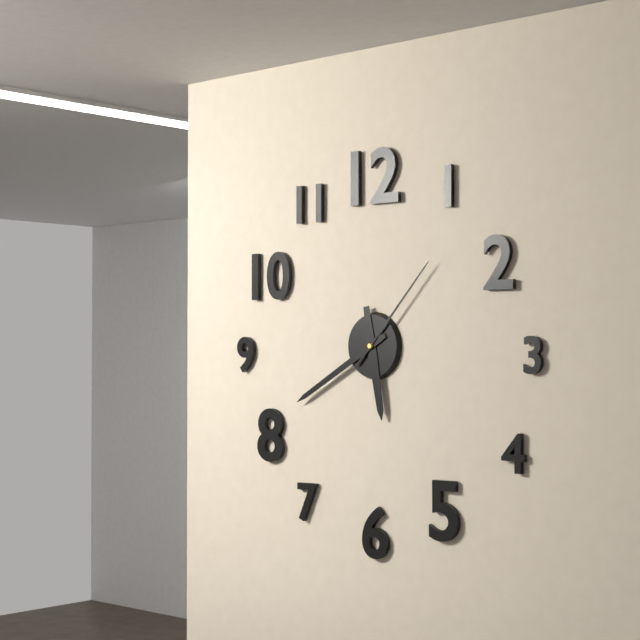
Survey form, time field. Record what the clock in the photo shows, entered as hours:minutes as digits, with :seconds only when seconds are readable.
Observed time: 5:40:07
